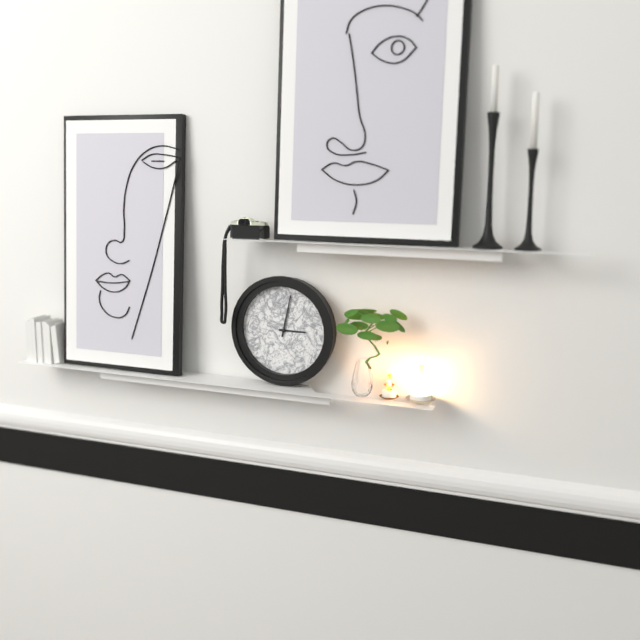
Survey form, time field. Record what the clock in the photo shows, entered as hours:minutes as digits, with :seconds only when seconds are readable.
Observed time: 3:02
